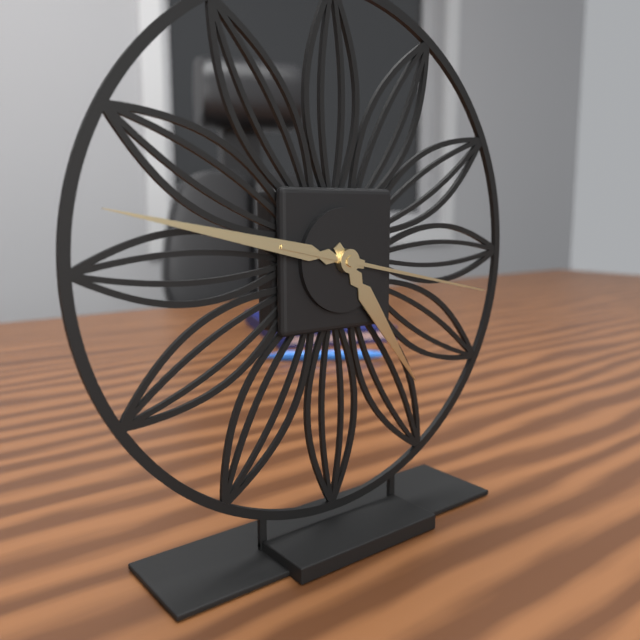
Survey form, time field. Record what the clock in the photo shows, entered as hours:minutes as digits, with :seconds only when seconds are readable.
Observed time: 4:47:17
